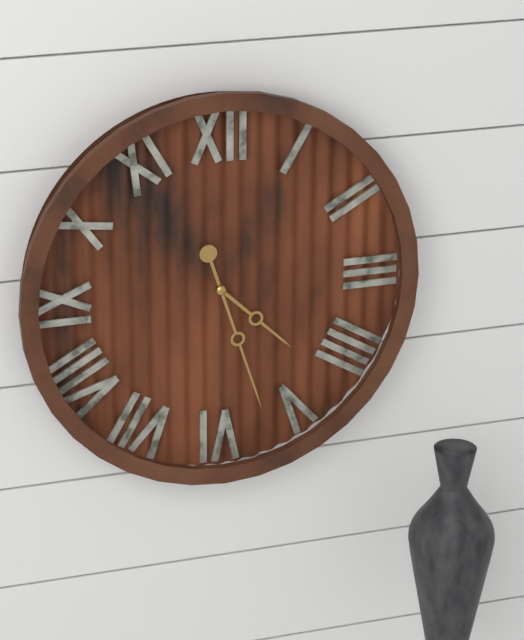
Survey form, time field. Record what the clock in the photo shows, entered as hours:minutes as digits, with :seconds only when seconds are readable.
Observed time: 4:27
